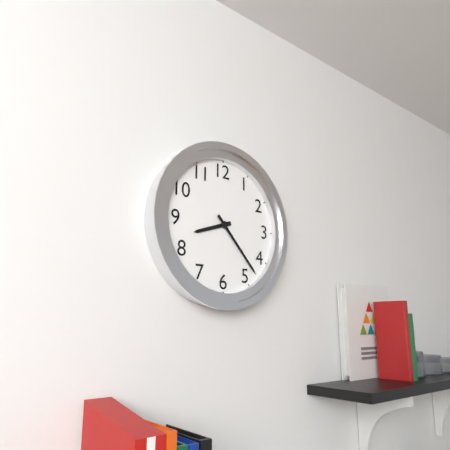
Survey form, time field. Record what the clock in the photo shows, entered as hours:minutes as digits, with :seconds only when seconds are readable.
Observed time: 8:23
